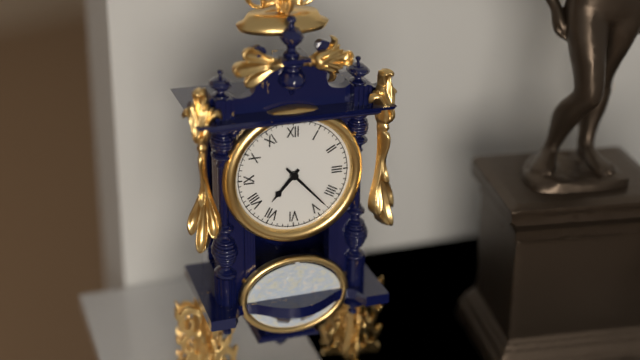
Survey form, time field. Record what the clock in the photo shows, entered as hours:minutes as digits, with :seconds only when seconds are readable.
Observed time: 7:23
